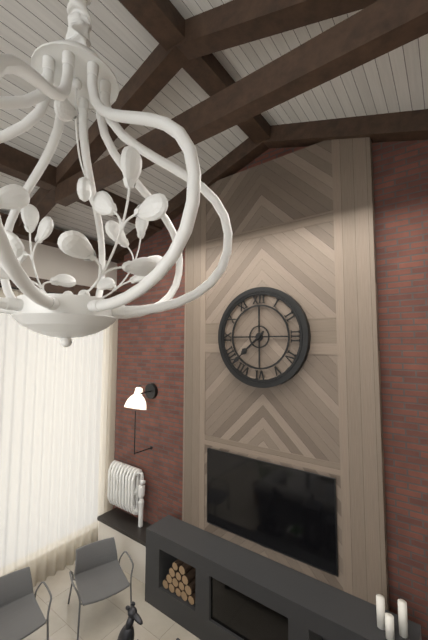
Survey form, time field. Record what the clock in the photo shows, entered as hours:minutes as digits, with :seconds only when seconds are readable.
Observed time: 7:38
